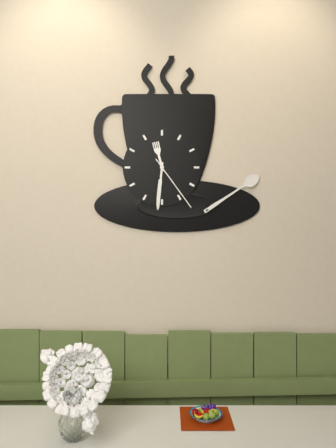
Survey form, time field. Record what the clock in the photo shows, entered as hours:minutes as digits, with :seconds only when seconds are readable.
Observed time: 11:31:24
